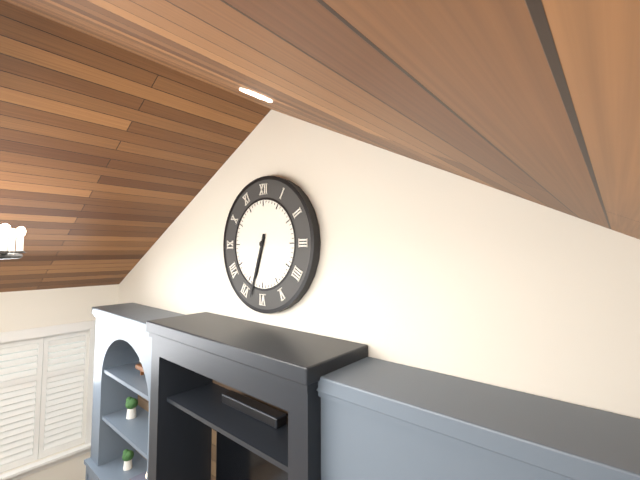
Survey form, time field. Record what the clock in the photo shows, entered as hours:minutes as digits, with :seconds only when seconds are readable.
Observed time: 6:33
